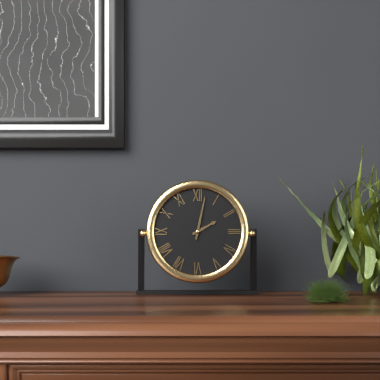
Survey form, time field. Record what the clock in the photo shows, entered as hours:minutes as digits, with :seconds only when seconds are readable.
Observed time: 2:02
